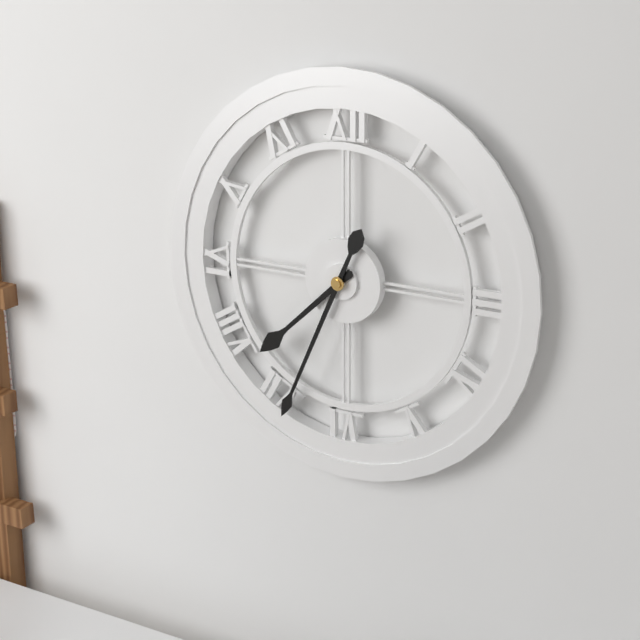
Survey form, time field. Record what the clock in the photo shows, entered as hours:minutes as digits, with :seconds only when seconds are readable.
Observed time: 7:34
